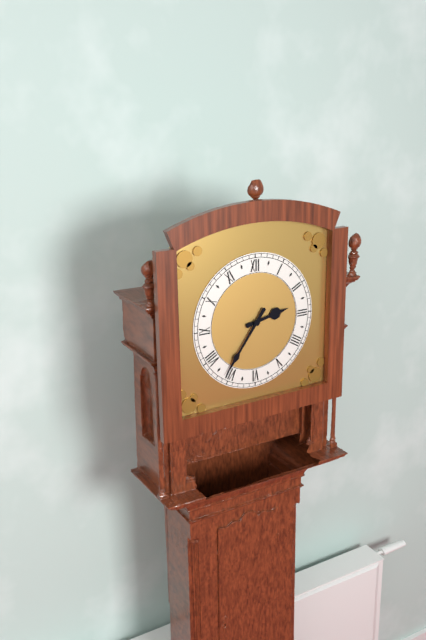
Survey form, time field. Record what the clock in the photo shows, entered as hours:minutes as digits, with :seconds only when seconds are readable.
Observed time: 2:36
